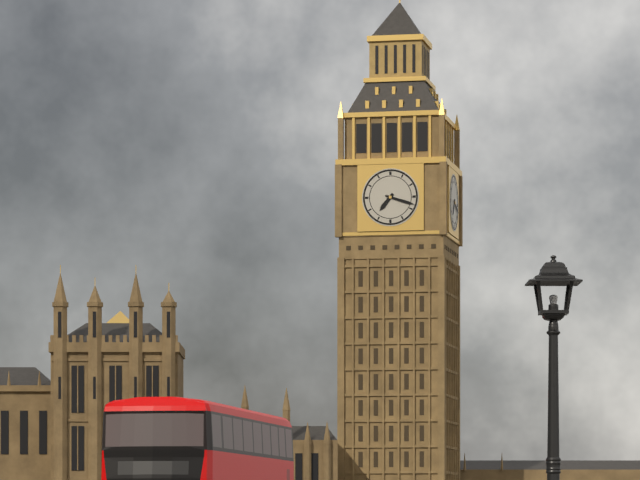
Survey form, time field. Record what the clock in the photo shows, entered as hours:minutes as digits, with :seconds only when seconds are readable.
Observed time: 7:18
